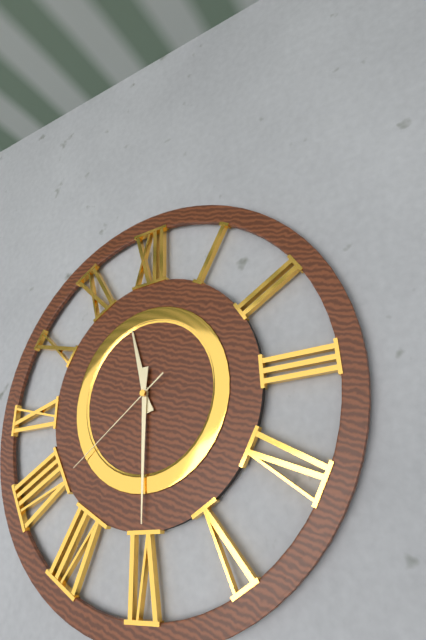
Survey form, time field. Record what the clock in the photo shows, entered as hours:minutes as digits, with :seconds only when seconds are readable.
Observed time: 11:30:39
